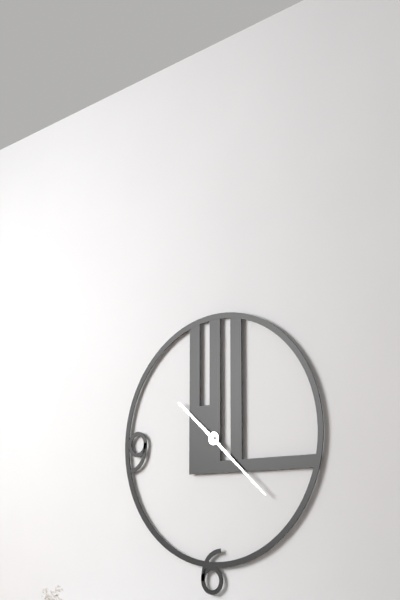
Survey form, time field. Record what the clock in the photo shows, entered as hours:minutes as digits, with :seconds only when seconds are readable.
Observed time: 10:22
